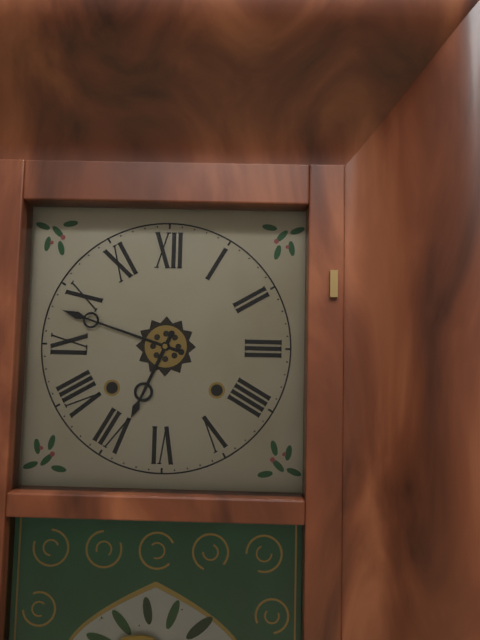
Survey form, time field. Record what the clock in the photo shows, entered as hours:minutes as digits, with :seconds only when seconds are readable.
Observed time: 6:48
